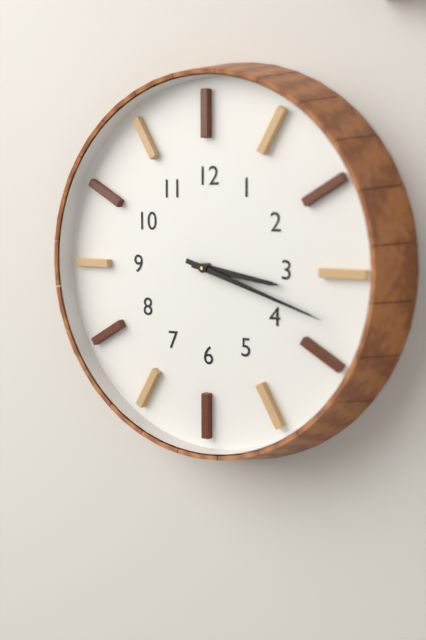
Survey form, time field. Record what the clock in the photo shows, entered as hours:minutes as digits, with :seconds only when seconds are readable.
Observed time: 3:18
